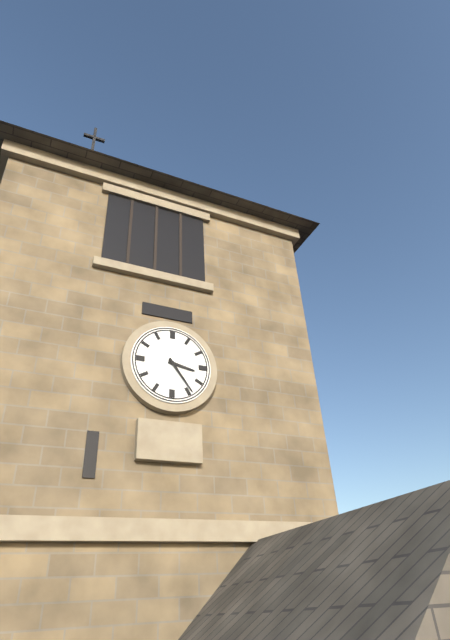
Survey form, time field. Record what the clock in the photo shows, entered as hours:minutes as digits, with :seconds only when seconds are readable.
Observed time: 3:24
